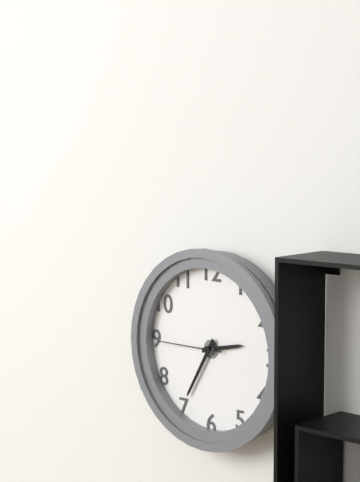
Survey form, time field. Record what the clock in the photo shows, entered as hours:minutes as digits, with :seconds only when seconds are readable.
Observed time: 2:35:45
